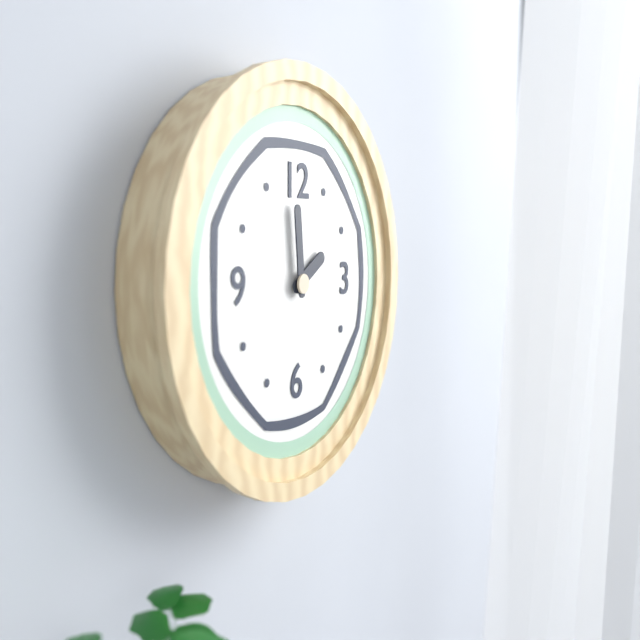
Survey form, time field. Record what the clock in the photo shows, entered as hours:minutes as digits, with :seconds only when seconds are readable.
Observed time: 1:59
